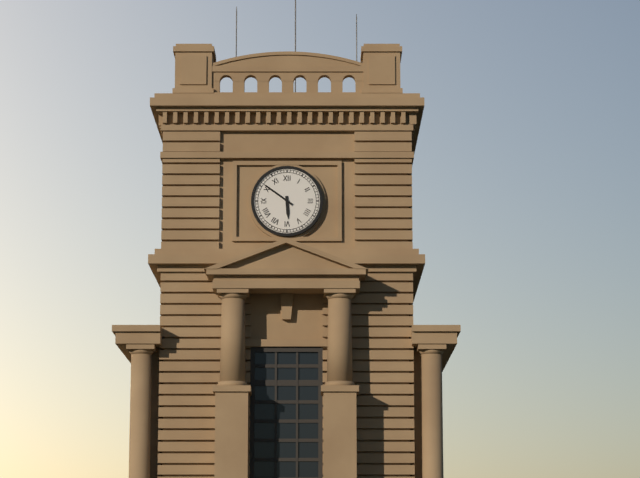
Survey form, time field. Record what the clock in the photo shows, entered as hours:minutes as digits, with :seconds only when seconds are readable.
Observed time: 5:51
